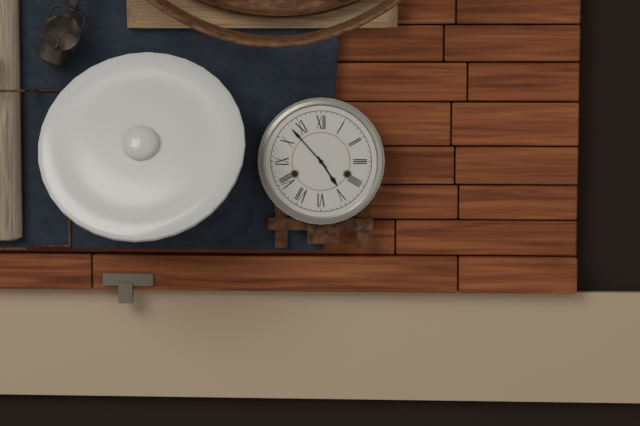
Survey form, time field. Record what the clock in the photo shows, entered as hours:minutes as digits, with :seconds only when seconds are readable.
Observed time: 4:53
